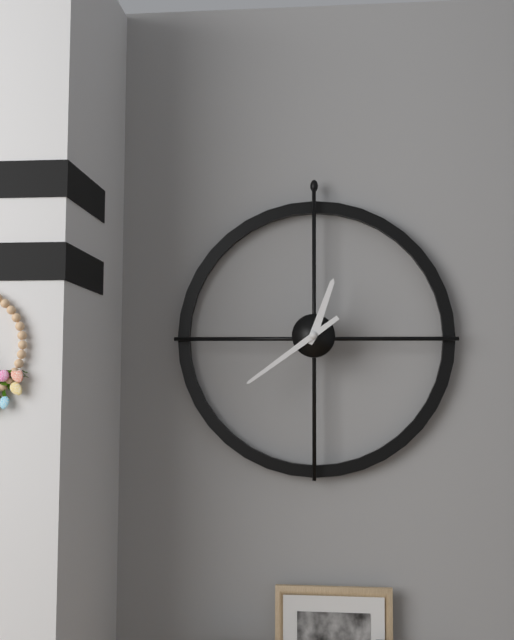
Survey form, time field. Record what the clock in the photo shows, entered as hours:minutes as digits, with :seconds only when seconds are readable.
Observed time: 12:39
